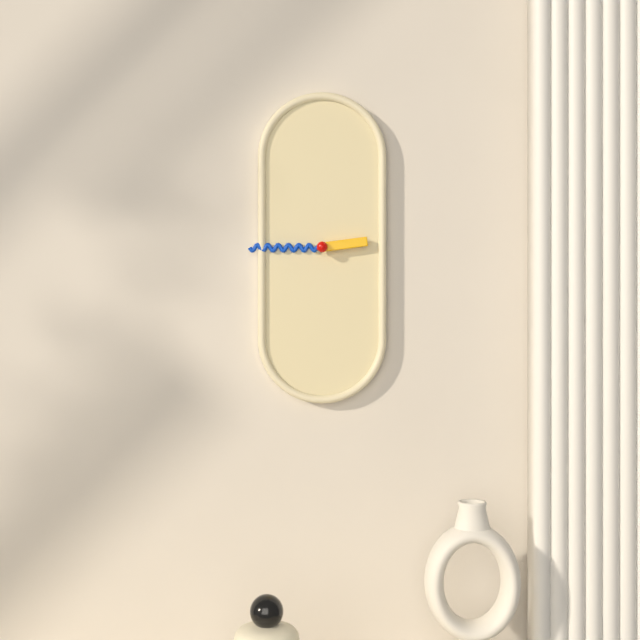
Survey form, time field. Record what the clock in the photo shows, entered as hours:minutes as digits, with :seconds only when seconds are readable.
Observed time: 2:45
